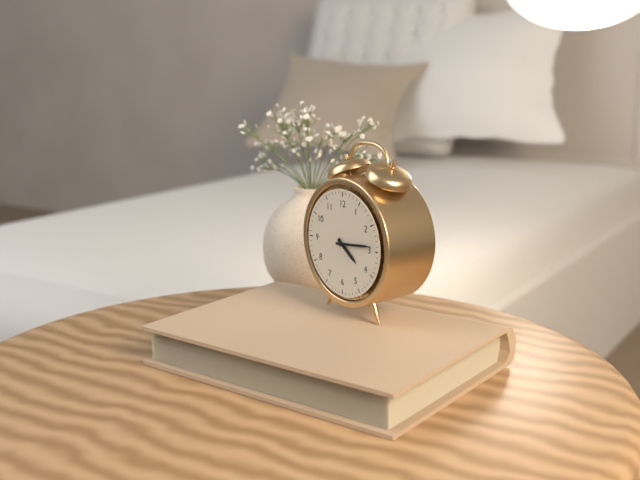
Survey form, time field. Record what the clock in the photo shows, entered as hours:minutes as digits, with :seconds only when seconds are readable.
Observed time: 4:14
